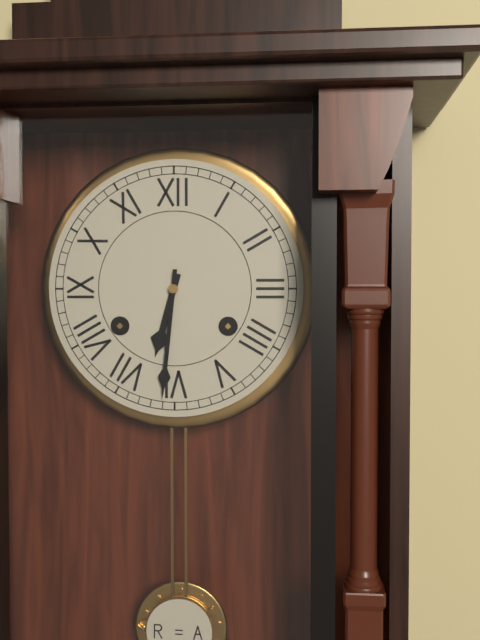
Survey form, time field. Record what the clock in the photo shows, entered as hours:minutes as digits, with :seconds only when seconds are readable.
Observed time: 6:31
